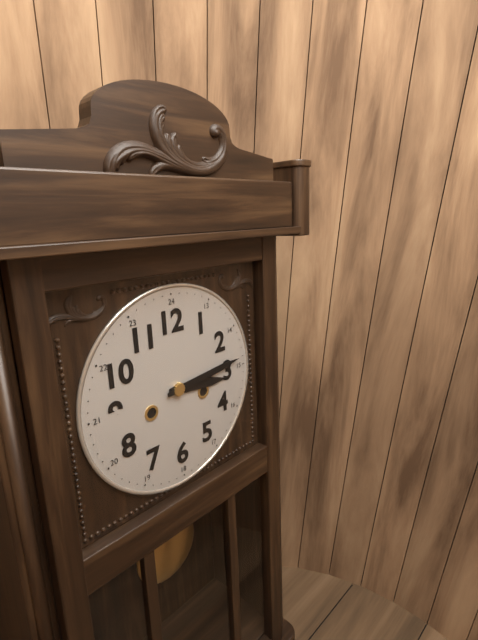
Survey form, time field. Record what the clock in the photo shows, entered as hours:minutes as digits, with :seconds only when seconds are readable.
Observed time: 3:14
